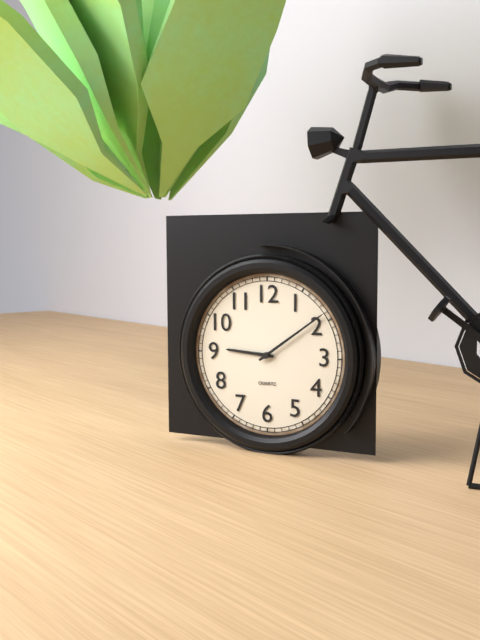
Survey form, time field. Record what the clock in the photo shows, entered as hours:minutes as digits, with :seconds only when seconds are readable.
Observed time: 9:09
